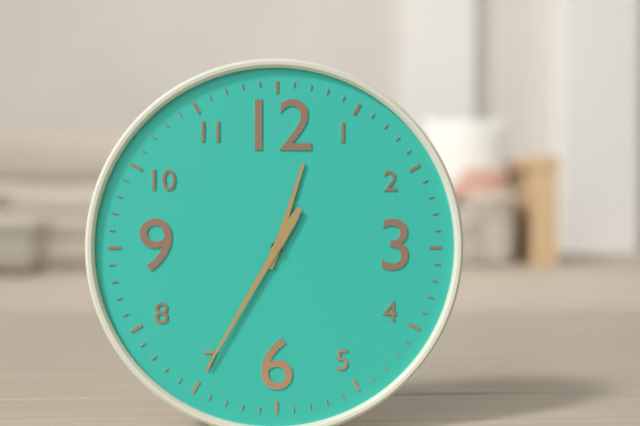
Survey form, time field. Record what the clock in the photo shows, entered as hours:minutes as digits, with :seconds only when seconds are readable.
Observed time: 12:35
